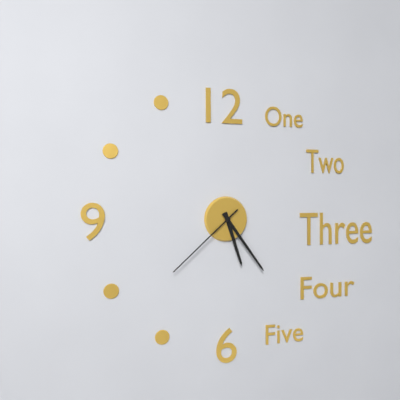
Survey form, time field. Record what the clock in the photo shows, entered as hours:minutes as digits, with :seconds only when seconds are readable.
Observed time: 5:24:38
